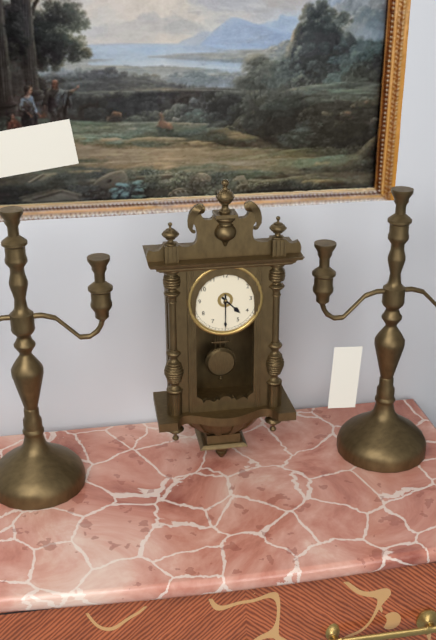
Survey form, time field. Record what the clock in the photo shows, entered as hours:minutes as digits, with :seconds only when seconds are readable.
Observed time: 4:30
